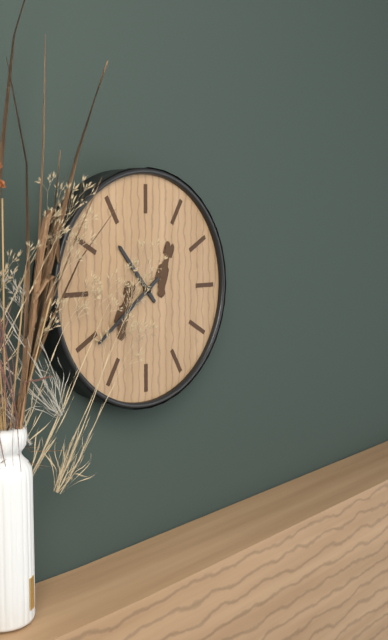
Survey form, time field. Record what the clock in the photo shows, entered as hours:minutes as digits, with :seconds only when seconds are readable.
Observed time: 10:39
